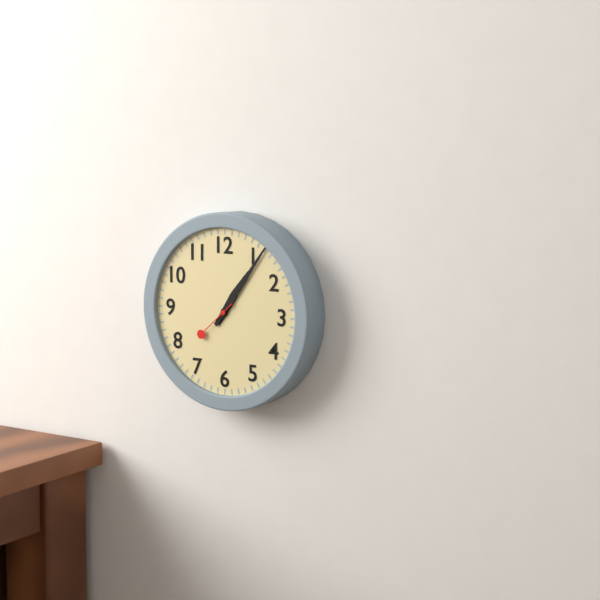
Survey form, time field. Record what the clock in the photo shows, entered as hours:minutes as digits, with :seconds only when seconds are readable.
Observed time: 1:06
